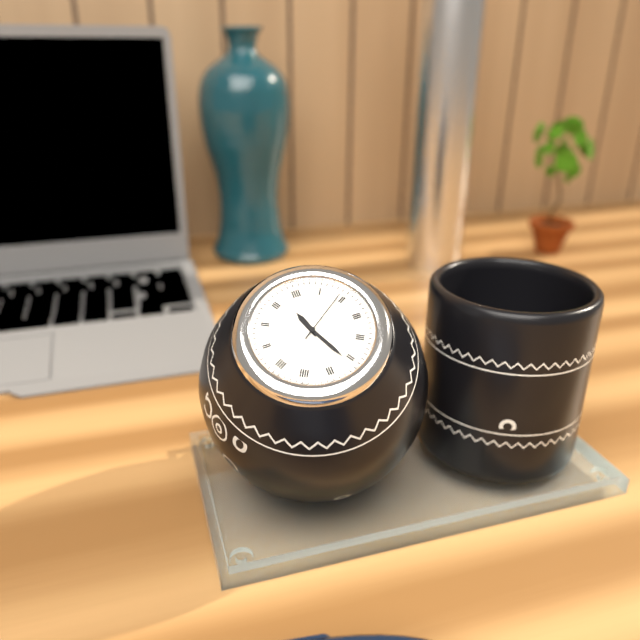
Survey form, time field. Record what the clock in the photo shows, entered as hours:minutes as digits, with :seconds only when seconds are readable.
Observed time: 11:26:09
